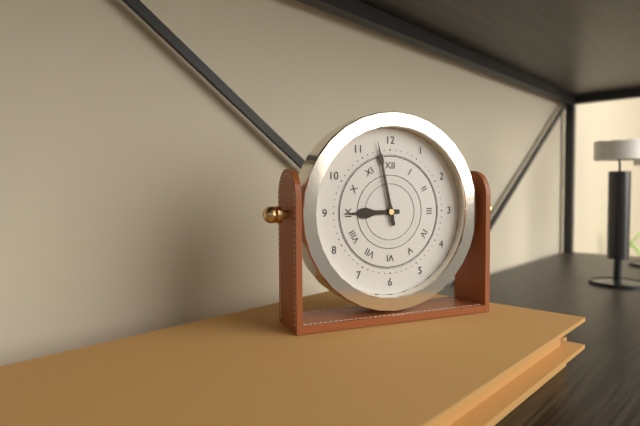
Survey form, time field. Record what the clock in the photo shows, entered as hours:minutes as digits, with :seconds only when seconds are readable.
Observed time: 8:58
